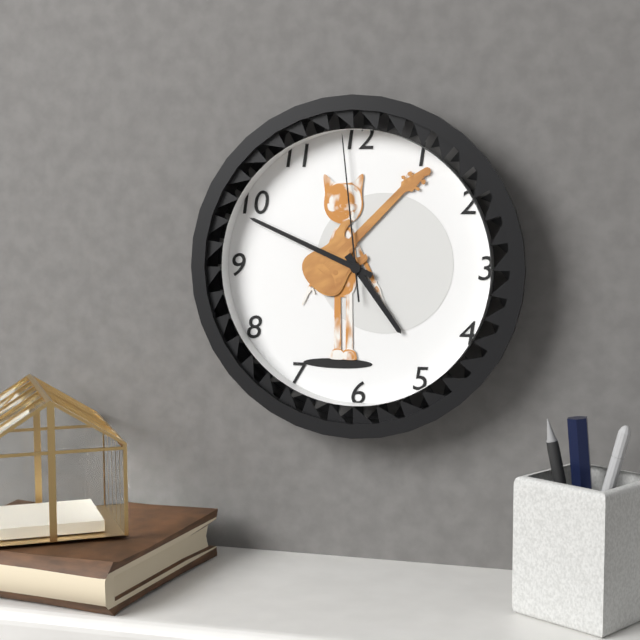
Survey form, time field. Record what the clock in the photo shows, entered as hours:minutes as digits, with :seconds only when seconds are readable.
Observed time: 4:49:59
